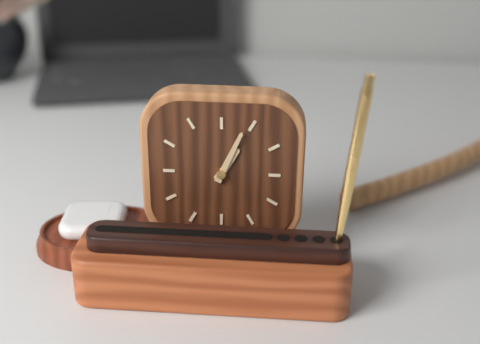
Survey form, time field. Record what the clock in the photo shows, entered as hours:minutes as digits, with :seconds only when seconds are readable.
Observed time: 1:04
